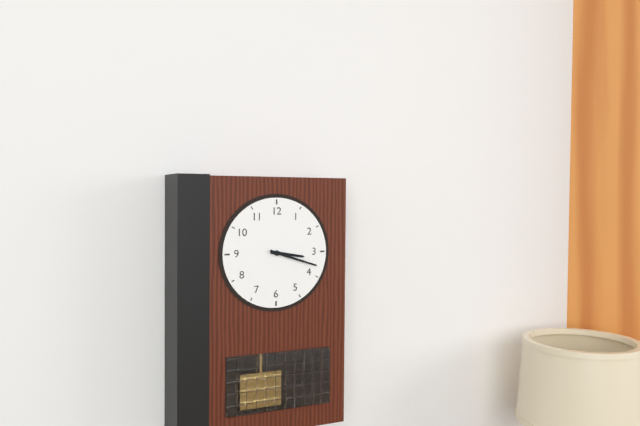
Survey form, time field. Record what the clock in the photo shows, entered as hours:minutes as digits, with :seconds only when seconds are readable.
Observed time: 3:18
